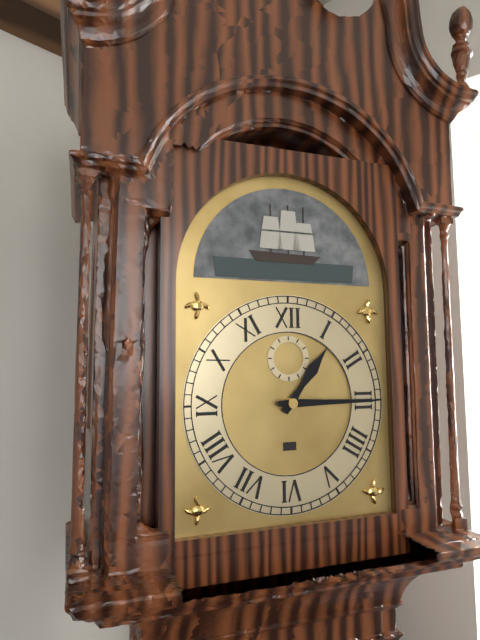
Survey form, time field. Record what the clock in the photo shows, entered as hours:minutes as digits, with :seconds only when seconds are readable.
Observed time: 1:15
